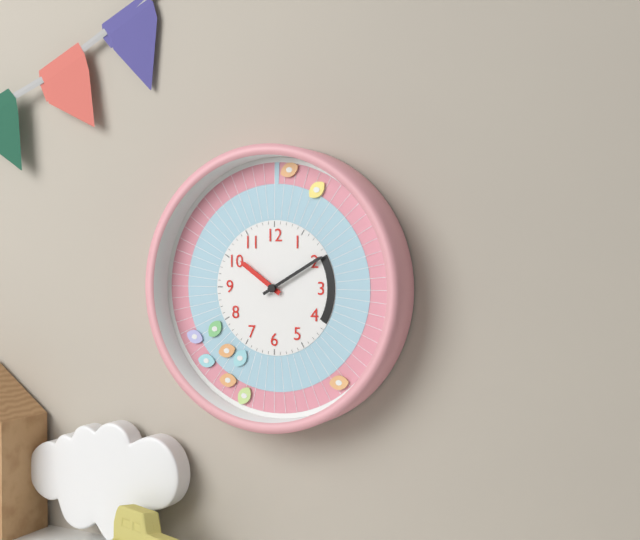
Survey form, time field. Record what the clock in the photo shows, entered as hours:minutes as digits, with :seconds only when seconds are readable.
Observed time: 10:10
